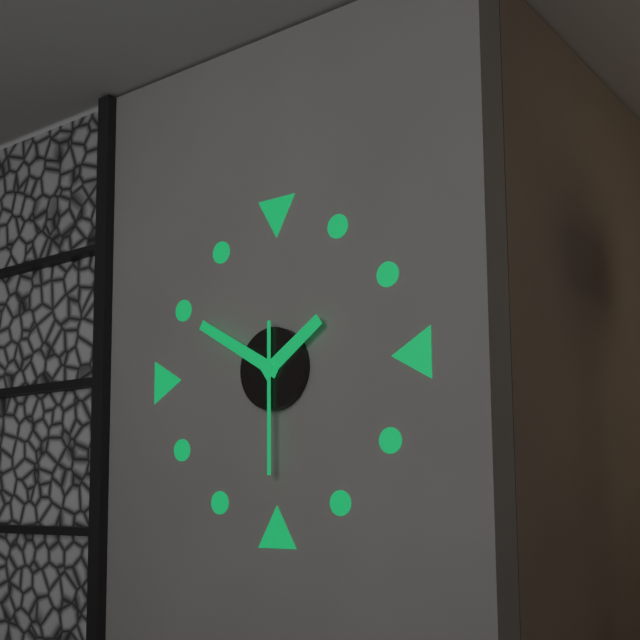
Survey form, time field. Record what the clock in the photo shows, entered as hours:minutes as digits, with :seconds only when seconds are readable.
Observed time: 1:50:30
